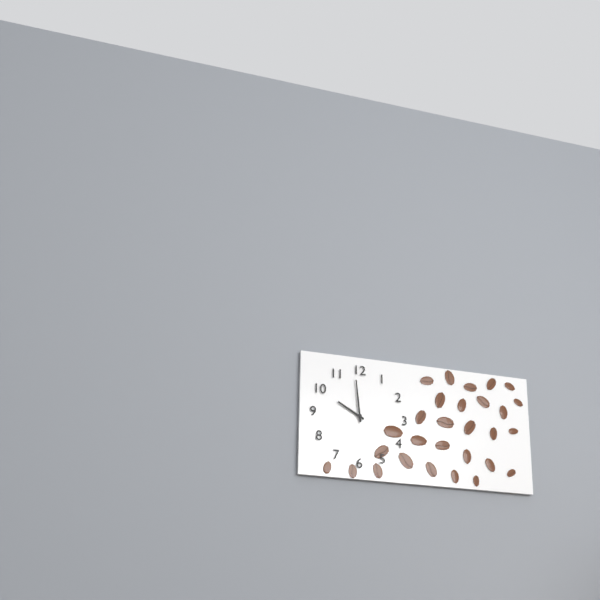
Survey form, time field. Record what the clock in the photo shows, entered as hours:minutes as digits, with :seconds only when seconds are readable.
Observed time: 9:59
